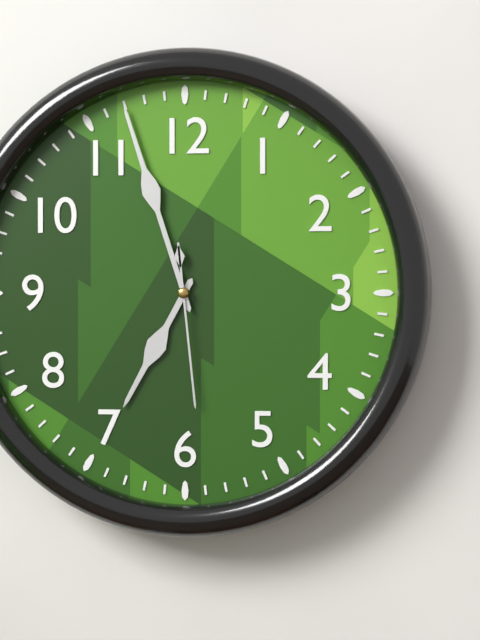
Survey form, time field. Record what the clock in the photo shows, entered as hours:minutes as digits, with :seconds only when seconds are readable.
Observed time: 6:57:29
